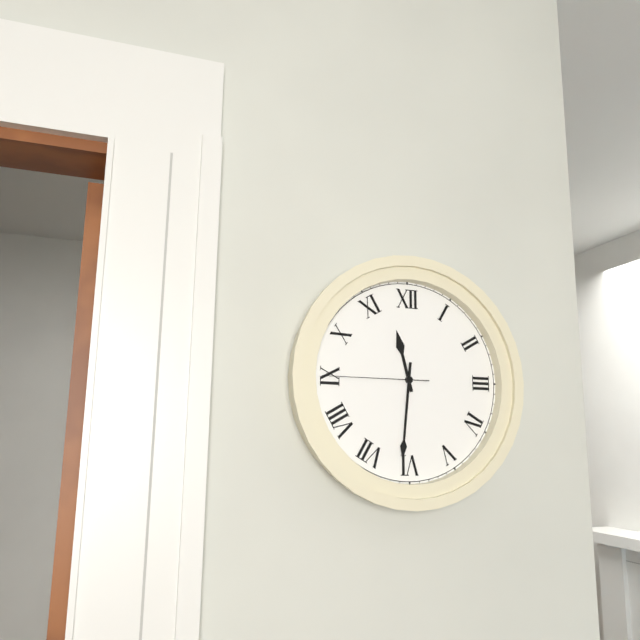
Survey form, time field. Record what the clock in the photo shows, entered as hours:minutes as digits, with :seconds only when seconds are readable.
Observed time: 11:31:45
